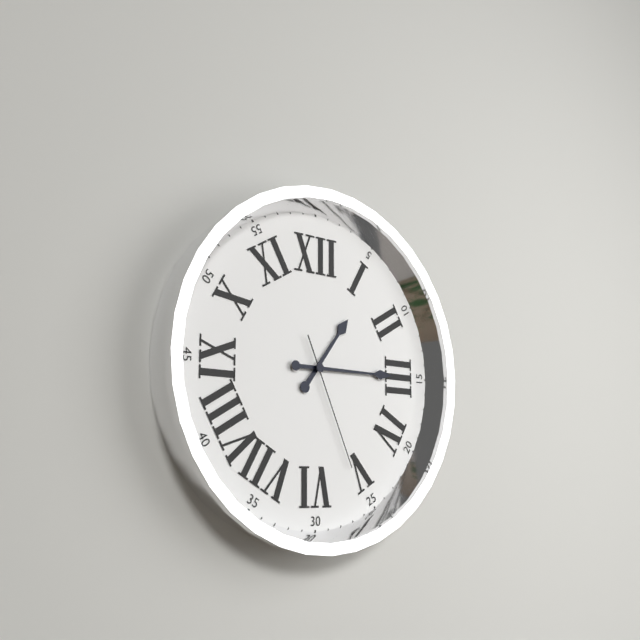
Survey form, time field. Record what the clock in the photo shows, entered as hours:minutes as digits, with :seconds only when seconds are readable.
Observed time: 1:15:26
